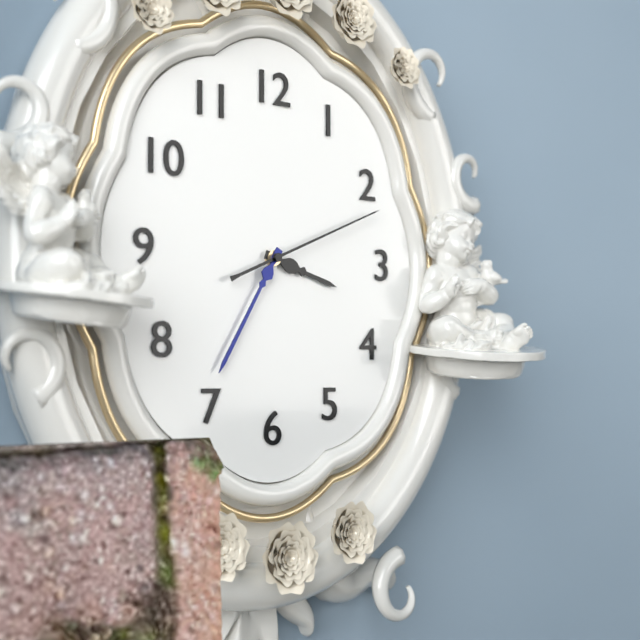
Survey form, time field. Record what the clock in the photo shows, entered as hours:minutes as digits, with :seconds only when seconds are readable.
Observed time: 3:35:11
